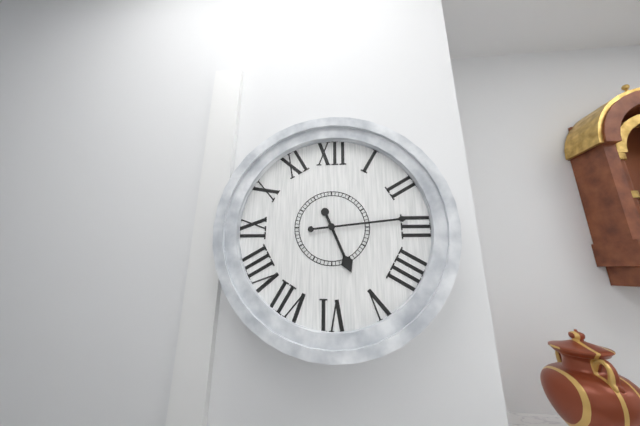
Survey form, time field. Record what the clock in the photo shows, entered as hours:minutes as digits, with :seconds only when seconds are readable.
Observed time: 5:14
